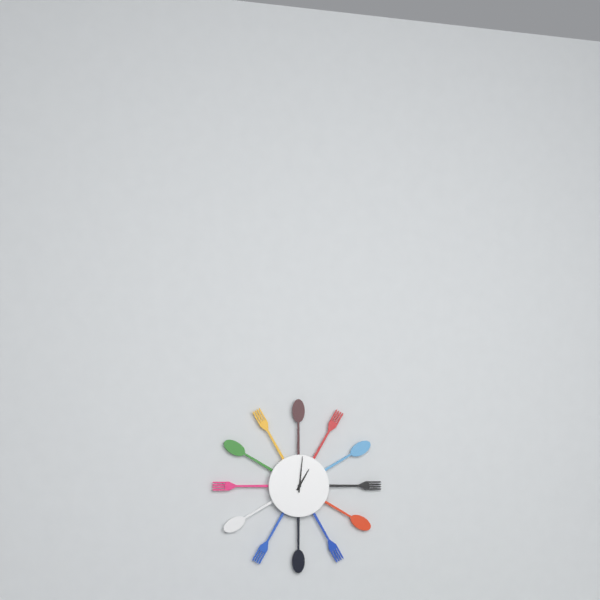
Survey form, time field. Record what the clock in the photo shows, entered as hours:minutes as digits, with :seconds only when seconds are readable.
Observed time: 1:01
